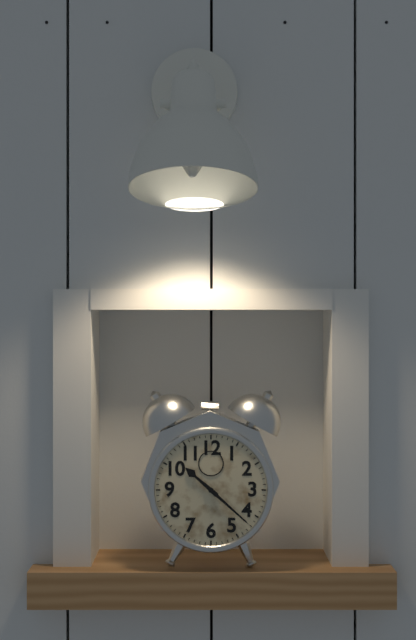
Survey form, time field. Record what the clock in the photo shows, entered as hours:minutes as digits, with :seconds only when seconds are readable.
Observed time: 10:22
